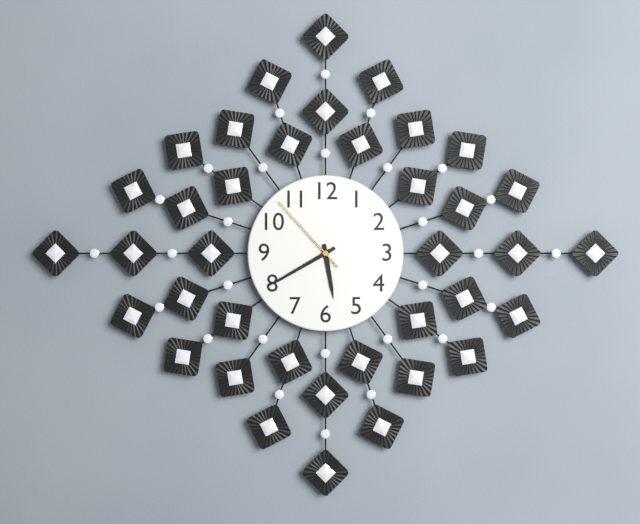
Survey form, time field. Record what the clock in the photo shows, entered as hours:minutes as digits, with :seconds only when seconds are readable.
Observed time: 5:40:53
